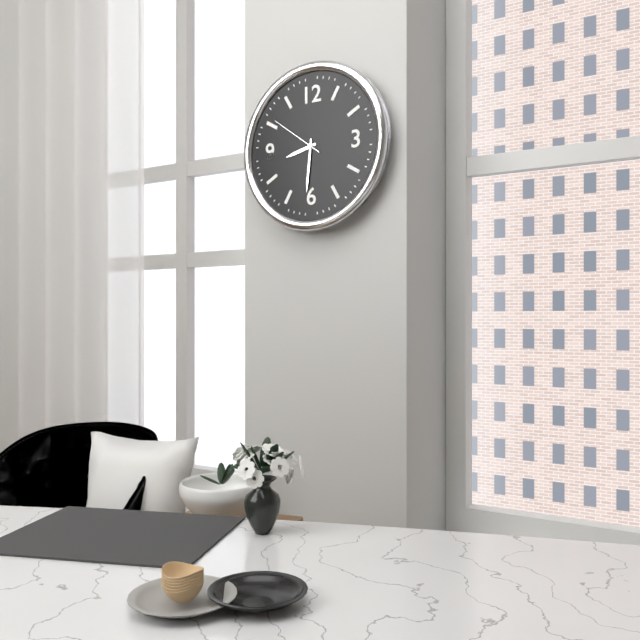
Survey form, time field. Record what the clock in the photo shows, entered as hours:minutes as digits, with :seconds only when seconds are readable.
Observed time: 8:31:51
